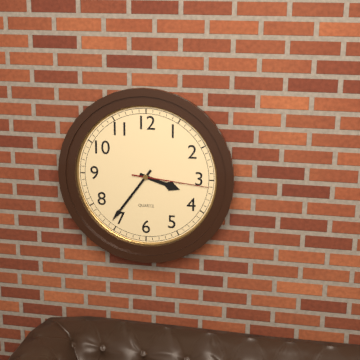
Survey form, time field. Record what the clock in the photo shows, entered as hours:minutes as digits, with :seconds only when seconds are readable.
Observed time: 3:36:16
